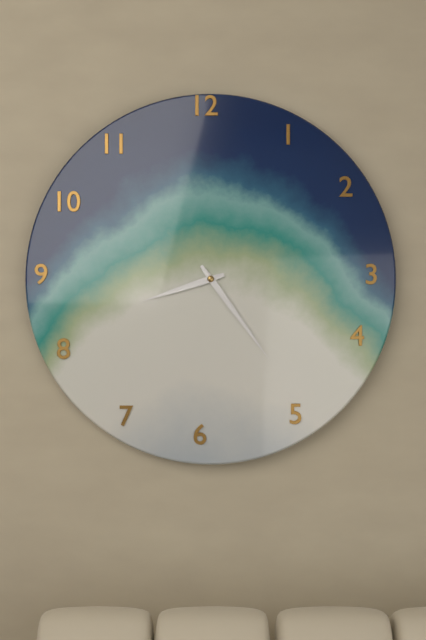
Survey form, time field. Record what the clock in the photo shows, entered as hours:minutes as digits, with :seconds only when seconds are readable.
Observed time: 8:24
